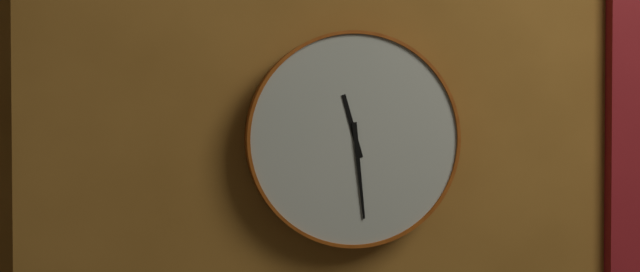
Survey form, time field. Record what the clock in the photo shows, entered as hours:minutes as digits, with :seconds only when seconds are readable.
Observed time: 11:29
